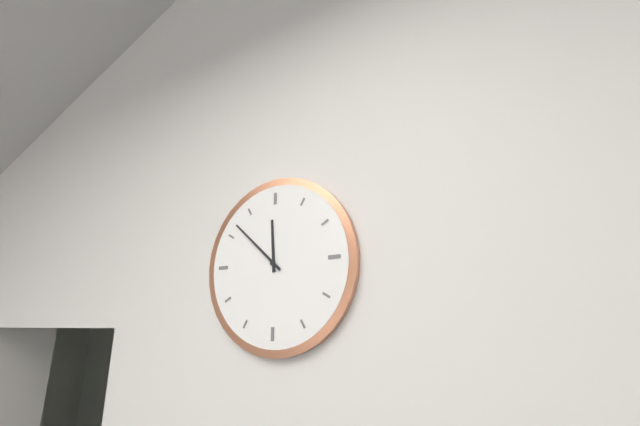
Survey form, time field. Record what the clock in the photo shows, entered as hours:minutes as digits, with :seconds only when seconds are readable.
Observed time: 11:52
